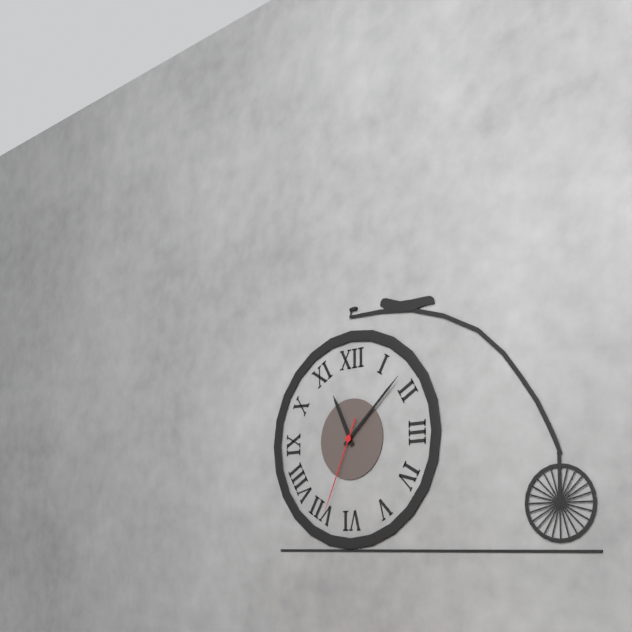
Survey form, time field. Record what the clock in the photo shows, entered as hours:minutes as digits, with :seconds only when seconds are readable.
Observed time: 11:08:34
